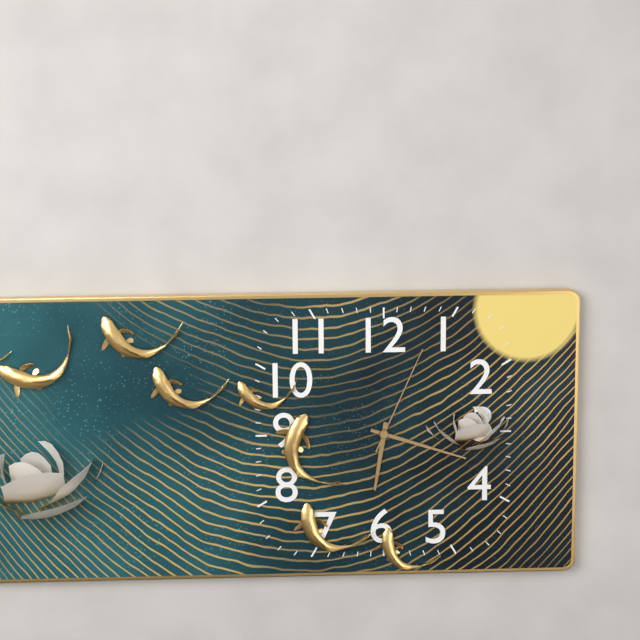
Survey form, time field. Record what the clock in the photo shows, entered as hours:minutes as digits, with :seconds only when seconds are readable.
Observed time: 6:18:04
